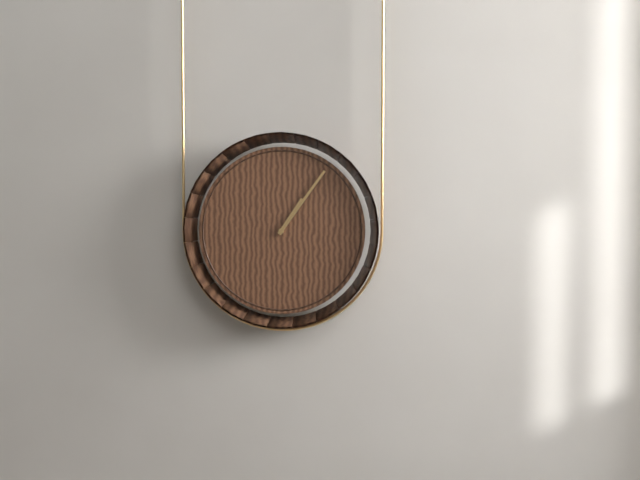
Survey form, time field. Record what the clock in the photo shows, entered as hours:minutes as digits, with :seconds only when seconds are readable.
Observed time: 1:06
